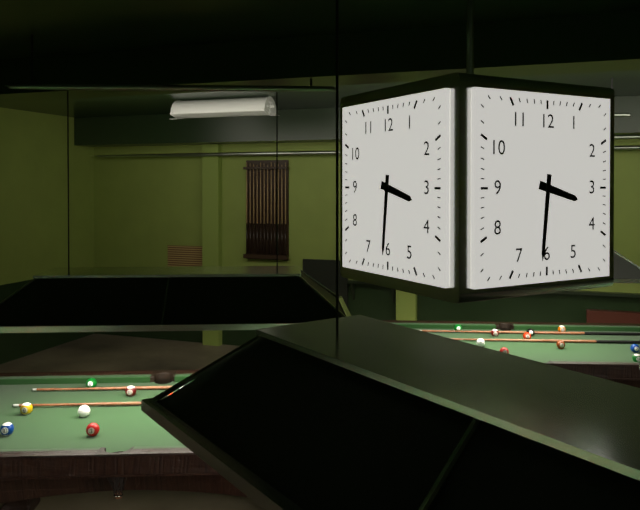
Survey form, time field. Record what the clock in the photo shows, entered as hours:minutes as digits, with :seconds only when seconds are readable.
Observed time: 3:31
